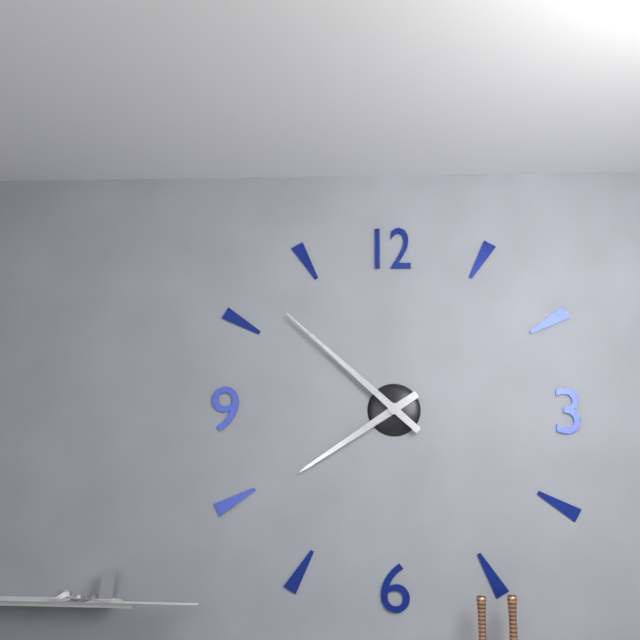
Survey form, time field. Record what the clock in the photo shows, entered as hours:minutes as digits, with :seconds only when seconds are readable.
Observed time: 7:52
